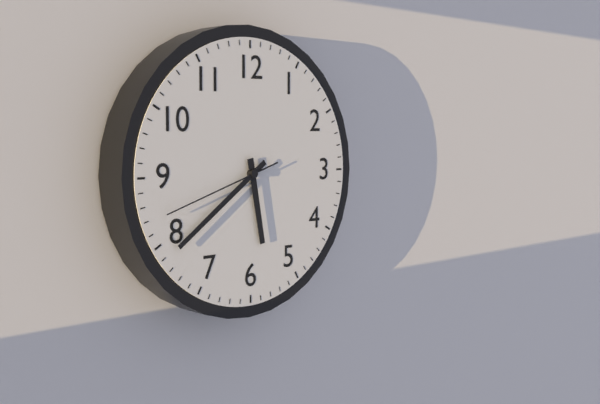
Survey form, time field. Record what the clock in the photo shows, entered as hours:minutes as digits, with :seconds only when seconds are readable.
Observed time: 5:39:42
